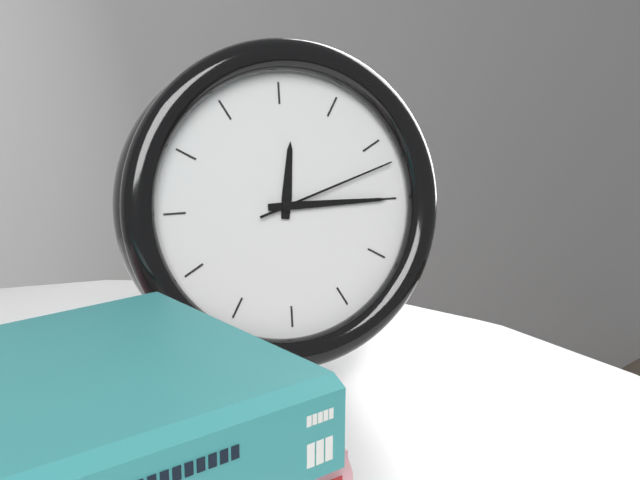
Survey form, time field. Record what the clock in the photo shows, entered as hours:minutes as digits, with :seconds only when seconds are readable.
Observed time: 12:15:12
